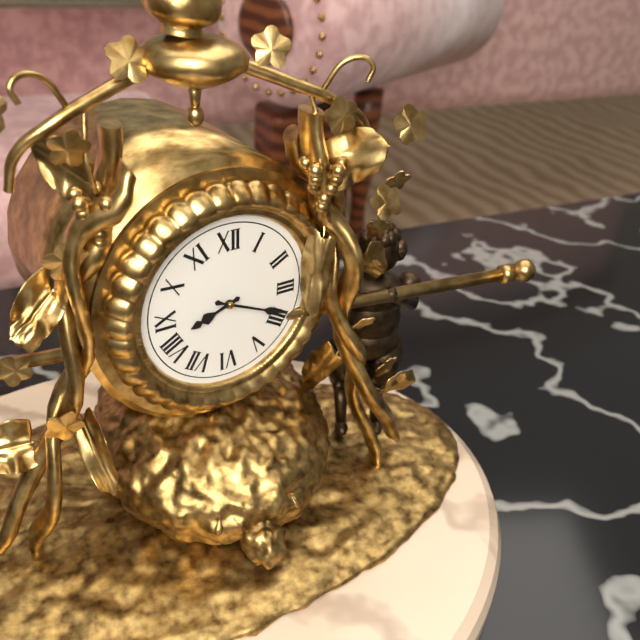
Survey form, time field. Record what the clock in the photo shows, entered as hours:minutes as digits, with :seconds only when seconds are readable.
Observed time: 8:19
